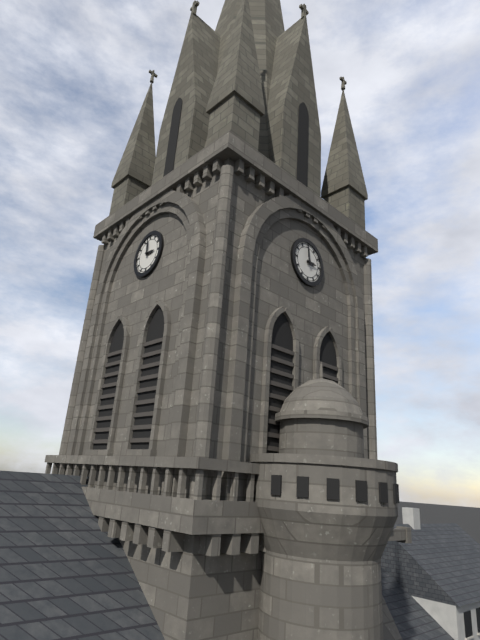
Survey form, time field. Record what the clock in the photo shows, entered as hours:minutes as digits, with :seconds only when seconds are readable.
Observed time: 2:59
